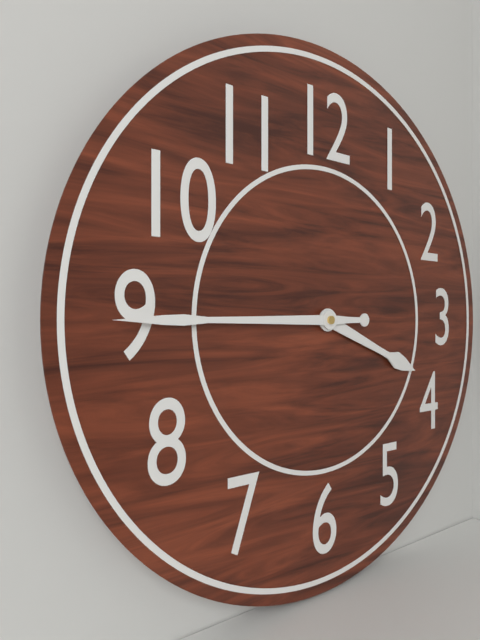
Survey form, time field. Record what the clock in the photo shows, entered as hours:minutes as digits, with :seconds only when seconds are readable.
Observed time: 3:45
